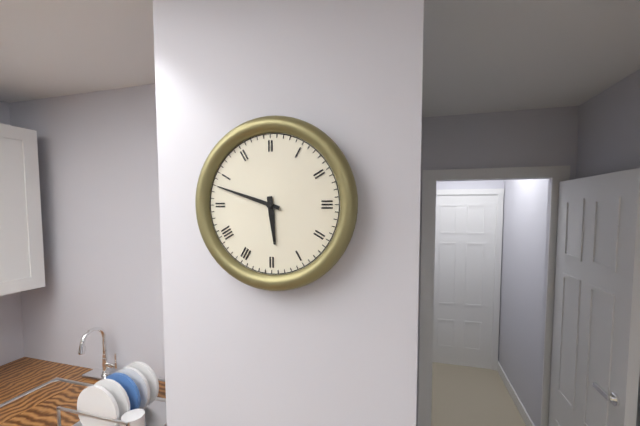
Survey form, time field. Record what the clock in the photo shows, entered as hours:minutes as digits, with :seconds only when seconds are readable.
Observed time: 5:48
